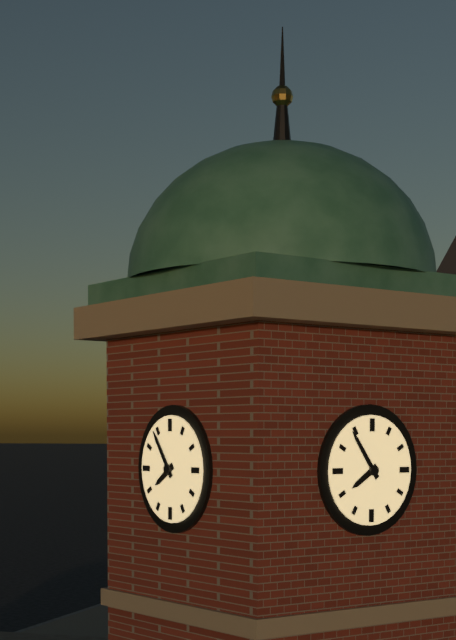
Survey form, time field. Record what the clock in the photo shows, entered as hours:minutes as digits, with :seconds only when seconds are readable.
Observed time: 7:54
